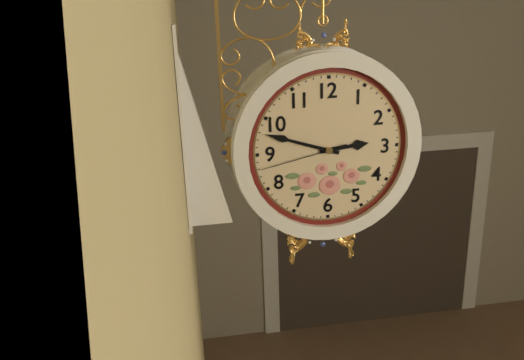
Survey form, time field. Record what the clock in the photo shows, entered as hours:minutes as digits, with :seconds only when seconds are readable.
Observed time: 2:48:43
